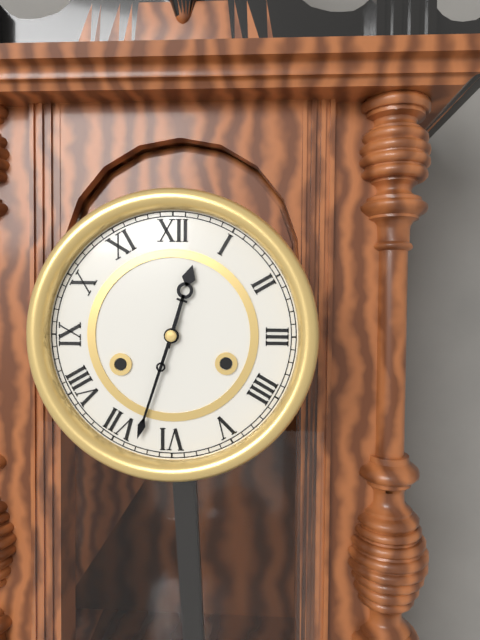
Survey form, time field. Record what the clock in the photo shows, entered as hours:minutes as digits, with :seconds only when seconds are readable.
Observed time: 12:33
